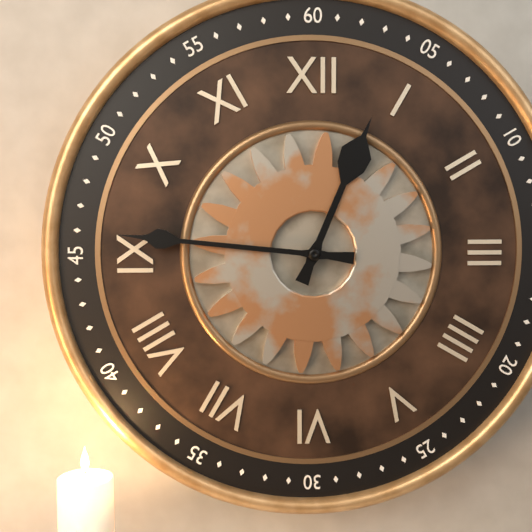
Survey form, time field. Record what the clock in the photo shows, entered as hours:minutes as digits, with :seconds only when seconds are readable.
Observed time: 12:46
